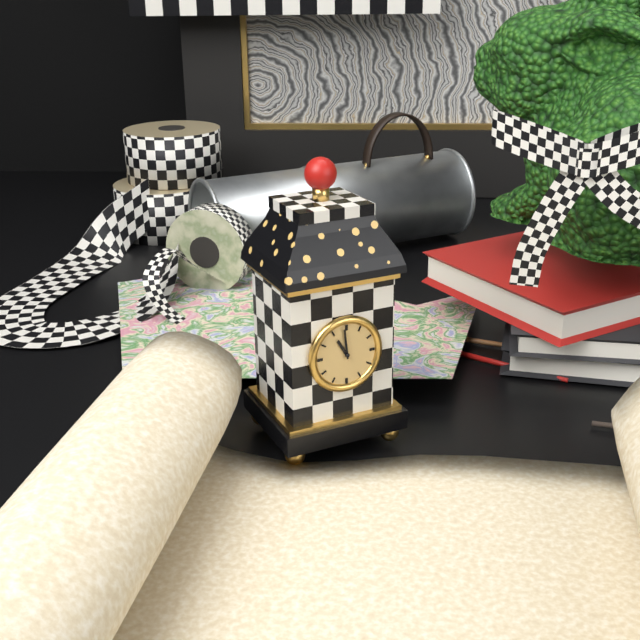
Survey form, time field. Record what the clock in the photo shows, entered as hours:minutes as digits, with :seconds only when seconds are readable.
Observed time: 10:59
